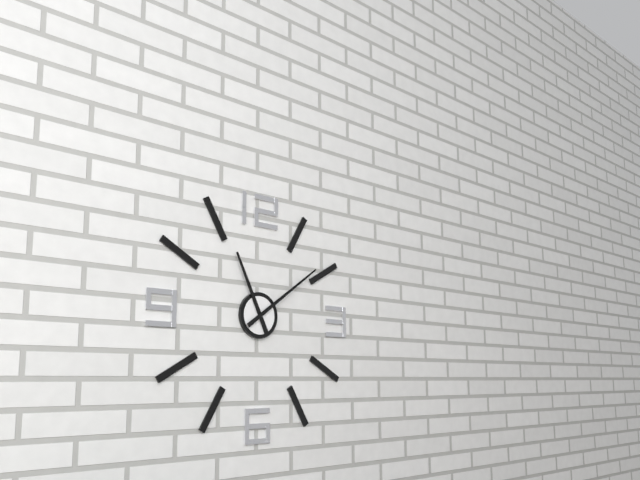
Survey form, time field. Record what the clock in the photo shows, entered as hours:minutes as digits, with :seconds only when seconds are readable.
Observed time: 11:09
